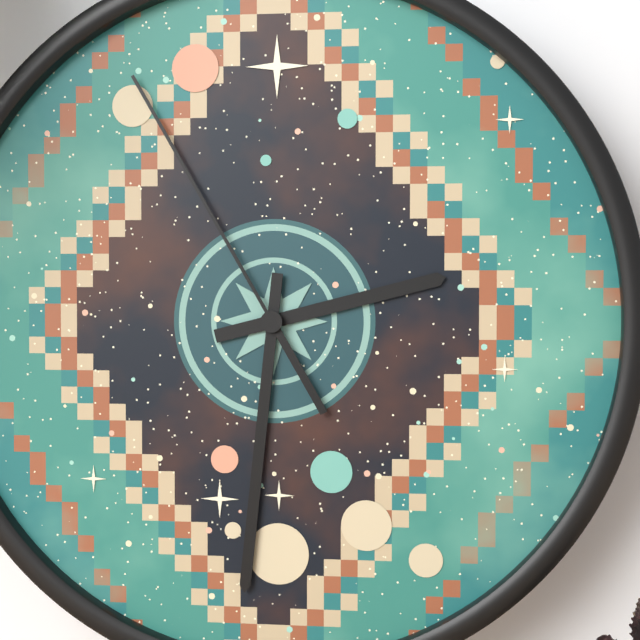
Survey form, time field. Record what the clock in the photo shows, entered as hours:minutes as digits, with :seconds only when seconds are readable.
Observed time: 2:31:55
